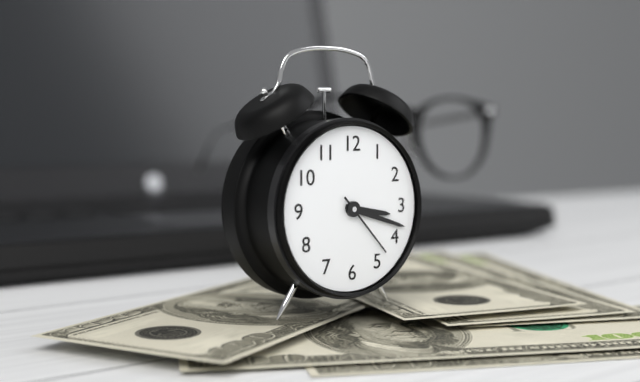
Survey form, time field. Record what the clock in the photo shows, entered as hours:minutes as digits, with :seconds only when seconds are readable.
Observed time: 3:18:23
